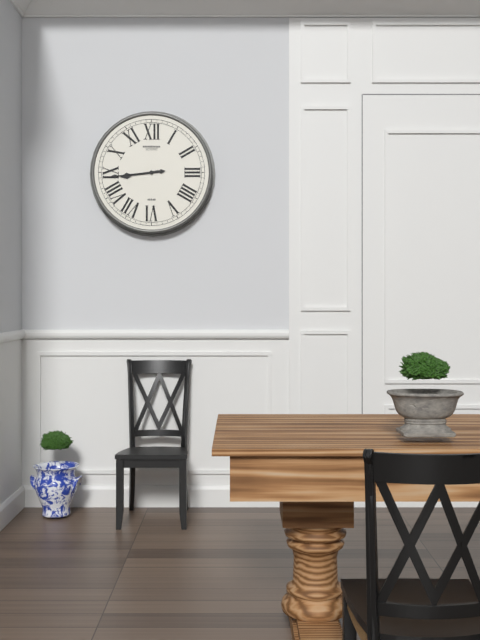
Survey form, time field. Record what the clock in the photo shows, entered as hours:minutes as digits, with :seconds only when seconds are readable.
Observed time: 8:44
